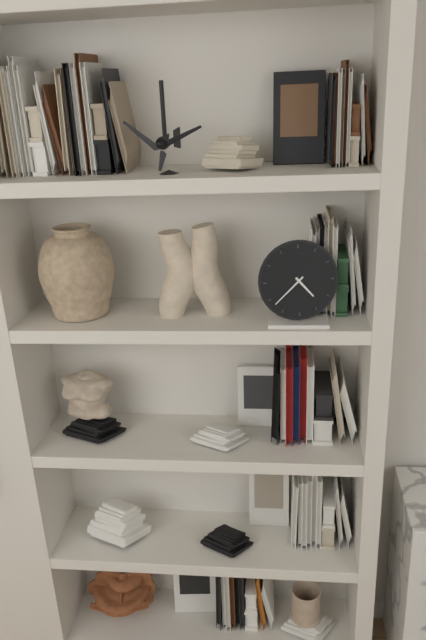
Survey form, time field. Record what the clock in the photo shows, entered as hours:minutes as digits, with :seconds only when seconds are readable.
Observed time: 4:38
